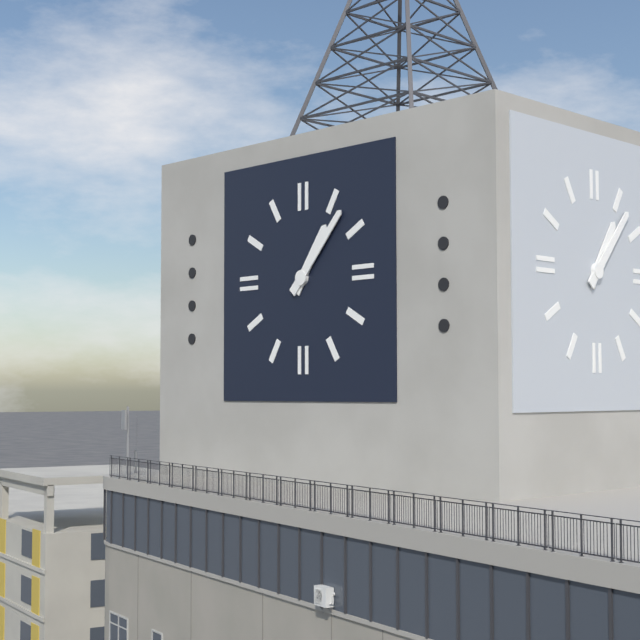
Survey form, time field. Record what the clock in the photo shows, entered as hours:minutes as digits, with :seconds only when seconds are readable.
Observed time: 1:07
